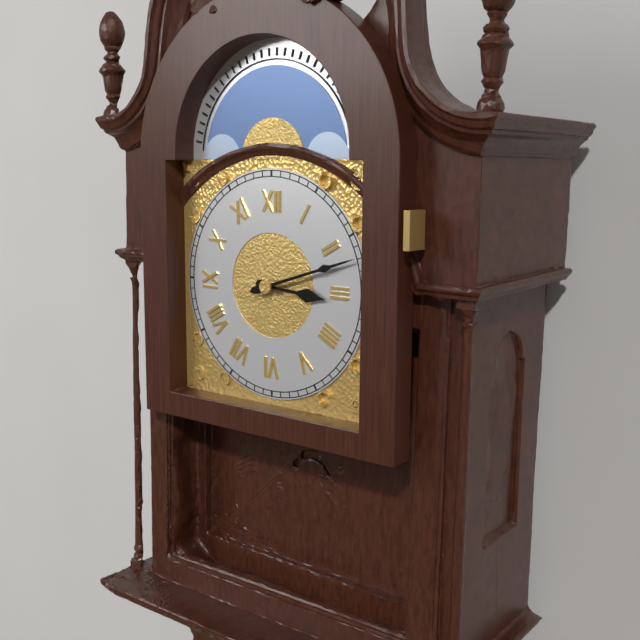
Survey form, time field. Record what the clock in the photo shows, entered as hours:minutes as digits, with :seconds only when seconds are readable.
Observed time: 3:12
